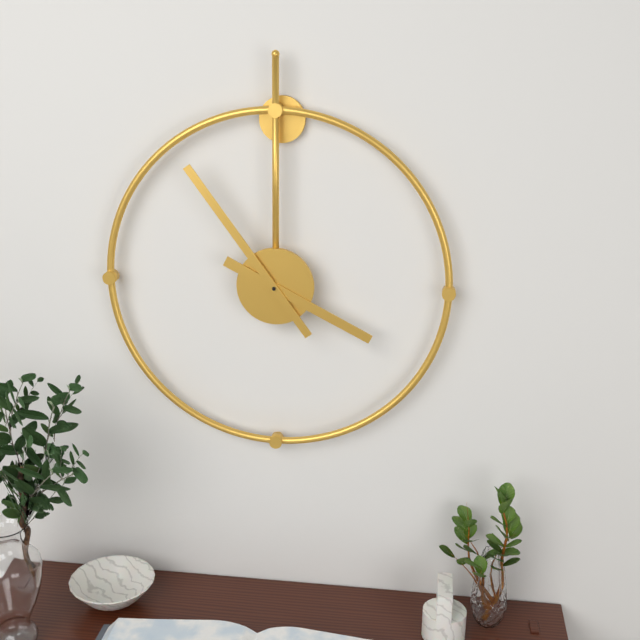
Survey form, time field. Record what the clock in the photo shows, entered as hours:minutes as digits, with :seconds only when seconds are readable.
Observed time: 3:54
